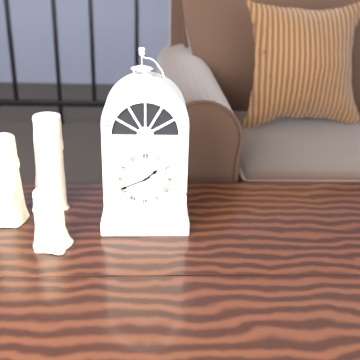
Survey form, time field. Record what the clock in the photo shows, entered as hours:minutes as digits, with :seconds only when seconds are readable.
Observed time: 1:41
